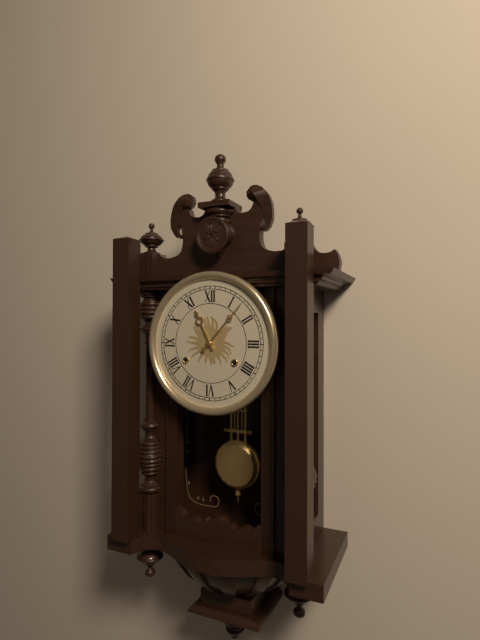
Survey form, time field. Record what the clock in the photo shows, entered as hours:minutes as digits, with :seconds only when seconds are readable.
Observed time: 11:07
